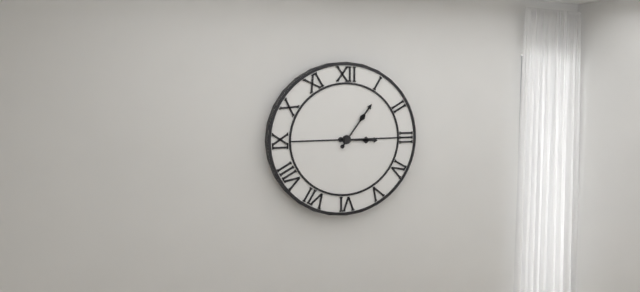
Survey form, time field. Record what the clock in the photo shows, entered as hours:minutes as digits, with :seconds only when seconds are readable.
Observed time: 3:06
